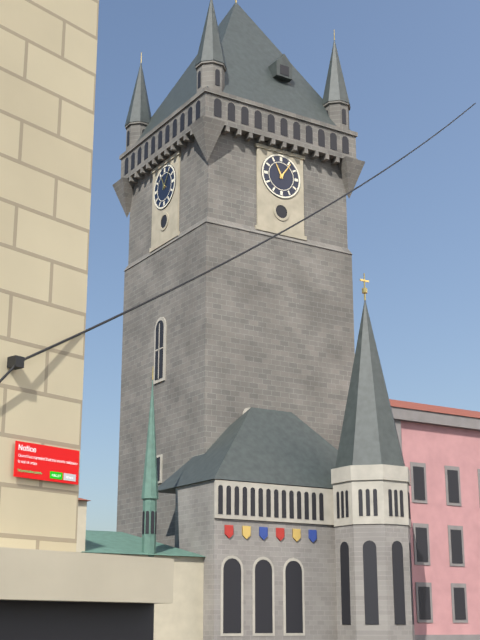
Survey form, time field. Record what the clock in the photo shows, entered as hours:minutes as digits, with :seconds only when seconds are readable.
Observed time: 11:06
